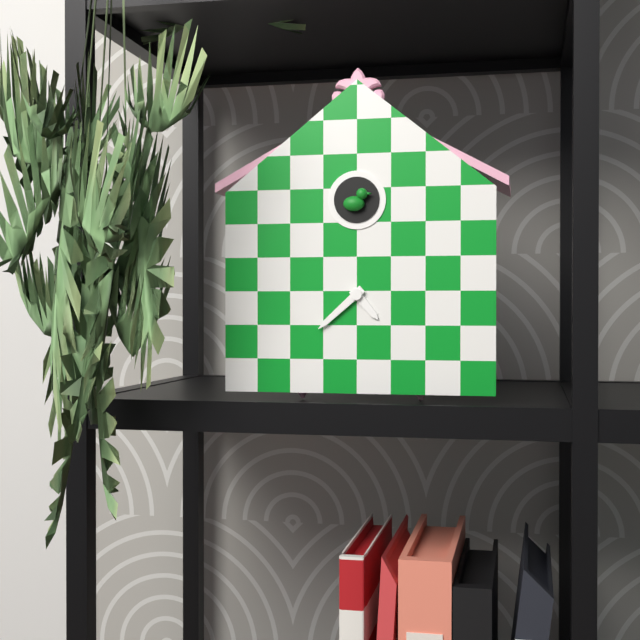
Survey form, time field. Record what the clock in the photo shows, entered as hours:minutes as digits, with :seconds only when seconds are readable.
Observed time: 4:38
